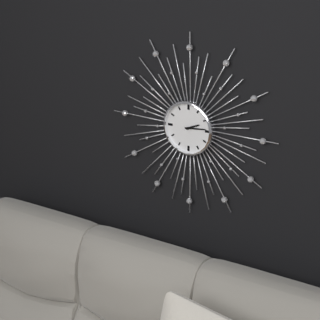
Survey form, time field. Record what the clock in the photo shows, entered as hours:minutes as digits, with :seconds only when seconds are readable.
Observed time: 2:14
